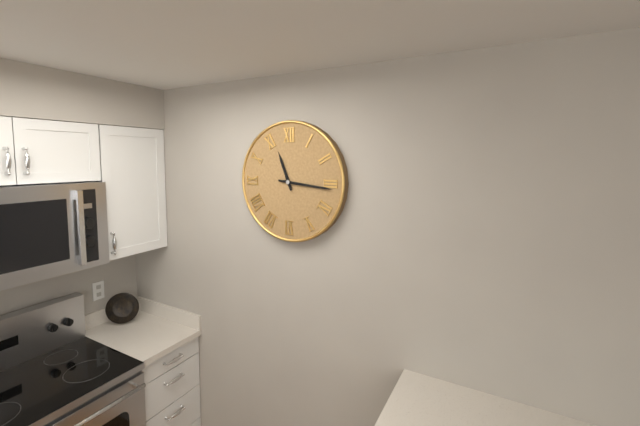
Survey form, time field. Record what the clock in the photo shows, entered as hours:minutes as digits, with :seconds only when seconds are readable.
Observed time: 11:16
